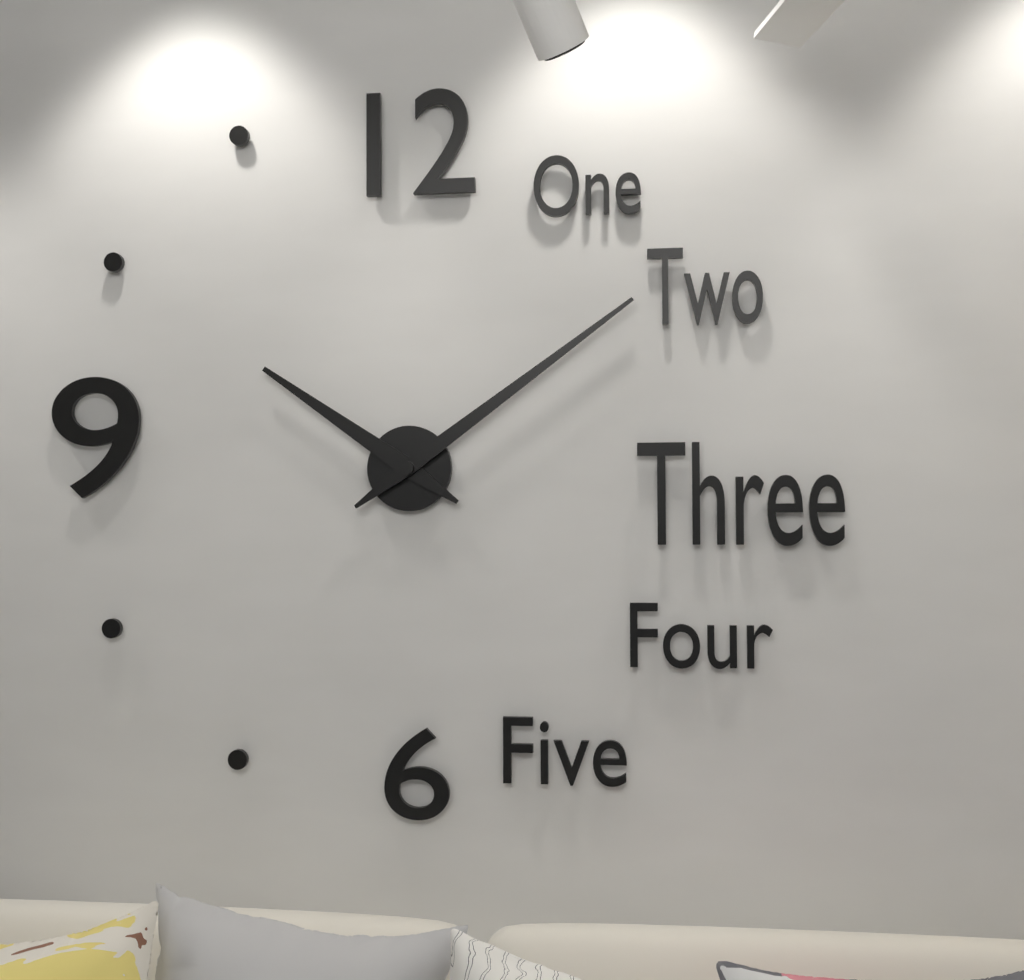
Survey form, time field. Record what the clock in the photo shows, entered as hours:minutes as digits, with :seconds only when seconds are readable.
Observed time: 10:09
